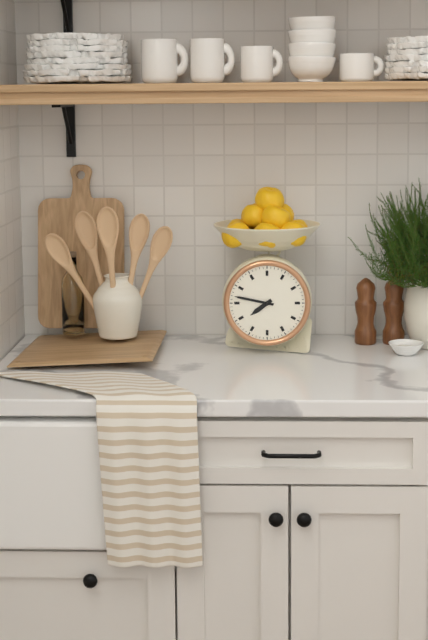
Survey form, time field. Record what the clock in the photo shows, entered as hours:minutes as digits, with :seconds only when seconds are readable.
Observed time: 7:47
